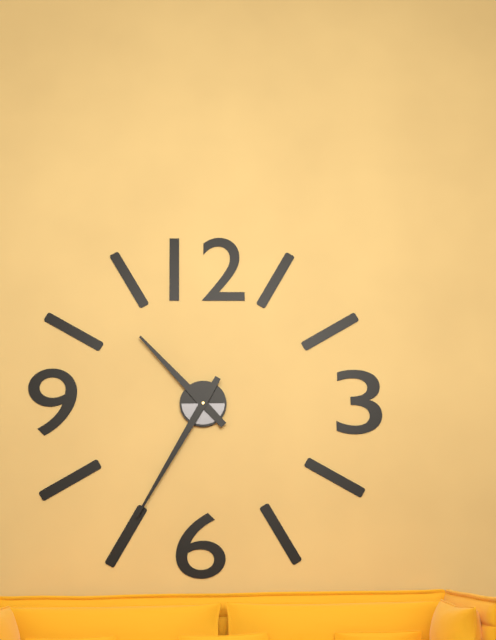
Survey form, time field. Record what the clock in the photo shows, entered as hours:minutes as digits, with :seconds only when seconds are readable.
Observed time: 10:35
